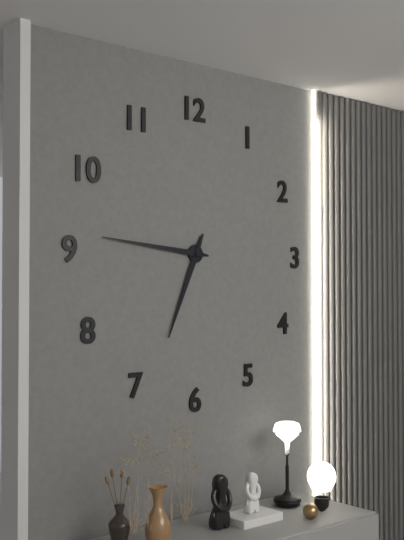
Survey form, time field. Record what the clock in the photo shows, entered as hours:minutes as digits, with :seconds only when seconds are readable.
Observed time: 6:46
